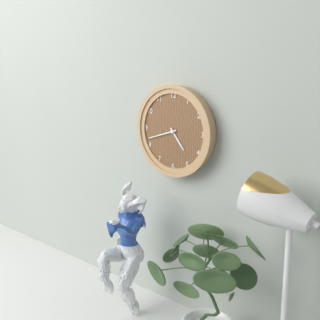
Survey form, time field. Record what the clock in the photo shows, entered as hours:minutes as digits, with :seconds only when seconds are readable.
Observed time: 4:42
